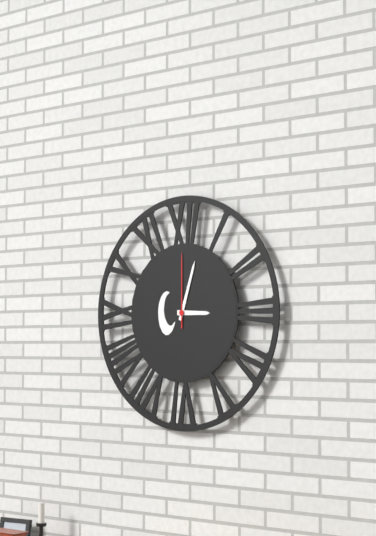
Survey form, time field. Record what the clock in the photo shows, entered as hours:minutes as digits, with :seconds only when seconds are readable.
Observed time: 3:03:00
